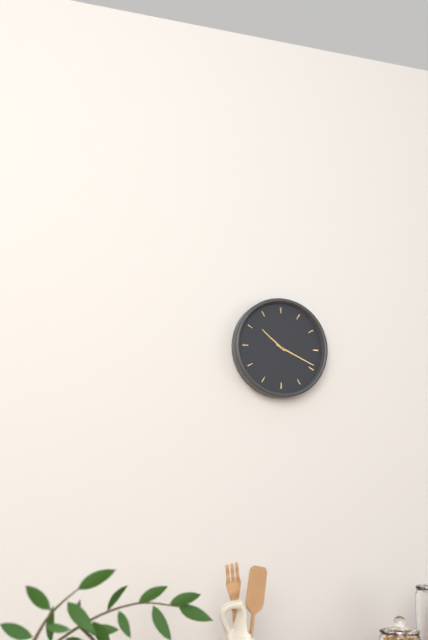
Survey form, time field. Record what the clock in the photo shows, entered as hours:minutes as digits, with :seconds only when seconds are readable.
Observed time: 10:19
